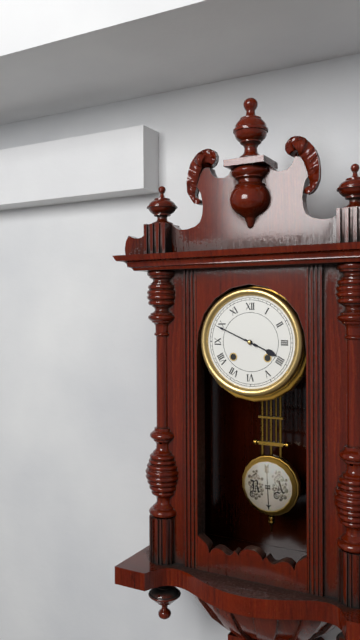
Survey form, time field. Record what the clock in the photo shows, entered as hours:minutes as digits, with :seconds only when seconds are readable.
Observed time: 3:49
